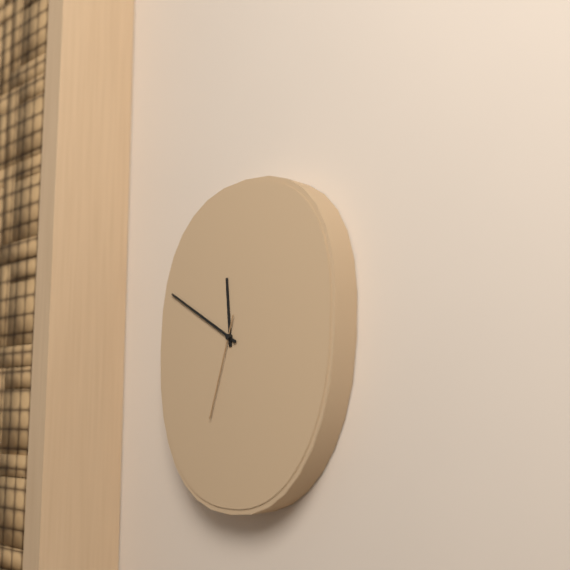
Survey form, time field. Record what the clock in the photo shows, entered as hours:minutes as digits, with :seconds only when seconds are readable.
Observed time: 11:50:33
